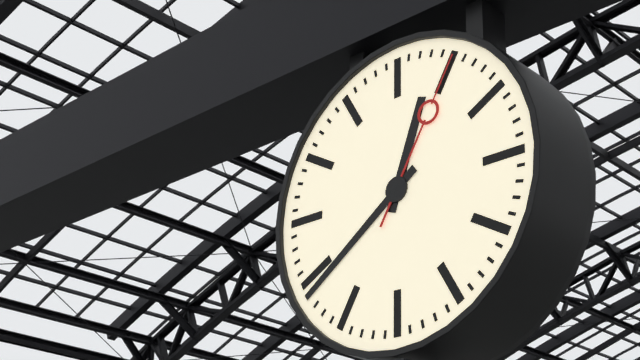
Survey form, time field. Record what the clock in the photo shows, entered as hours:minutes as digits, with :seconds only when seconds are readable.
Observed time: 12:39:05
